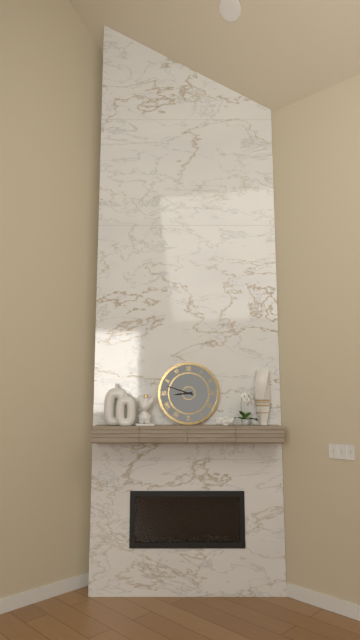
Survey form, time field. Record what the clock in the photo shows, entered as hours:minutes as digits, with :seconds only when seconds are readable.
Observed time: 8:48
